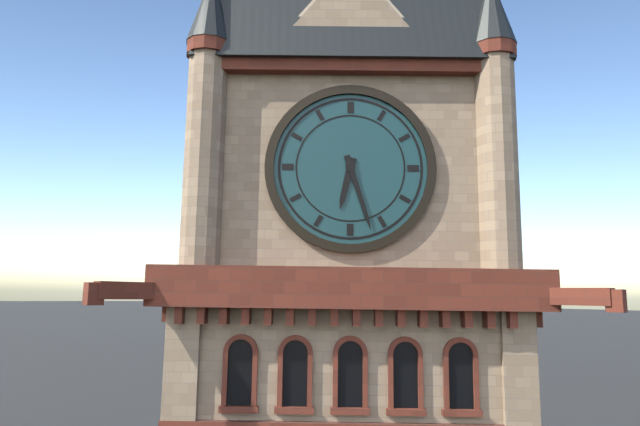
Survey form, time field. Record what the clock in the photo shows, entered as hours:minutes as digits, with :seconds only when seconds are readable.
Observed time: 6:27
